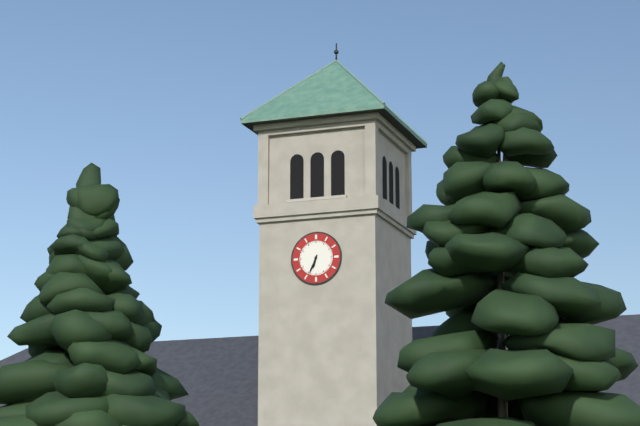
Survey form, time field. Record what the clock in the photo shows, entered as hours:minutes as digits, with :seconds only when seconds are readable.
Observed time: 6:34
